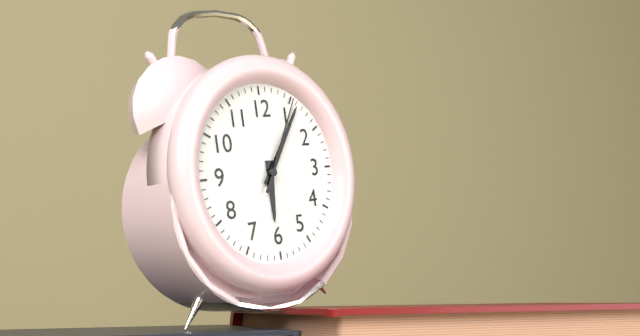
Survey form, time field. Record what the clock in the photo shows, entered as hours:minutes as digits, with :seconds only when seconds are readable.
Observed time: 6:06:05
